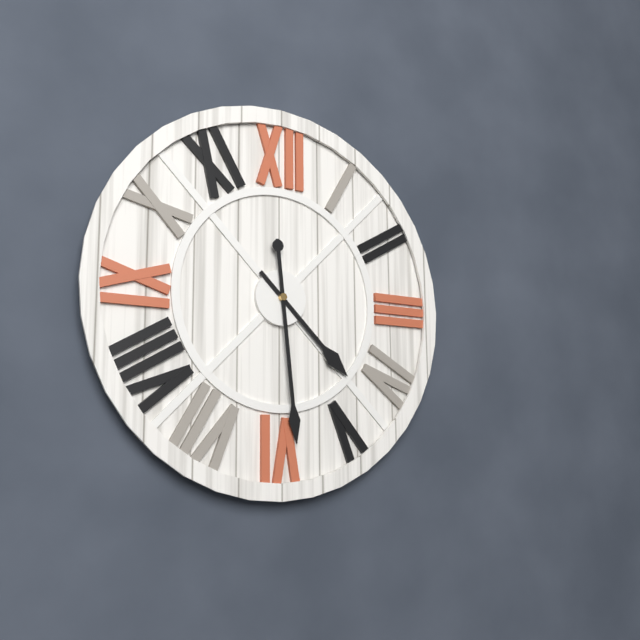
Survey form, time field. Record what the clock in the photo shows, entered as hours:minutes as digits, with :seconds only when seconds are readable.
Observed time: 4:29
